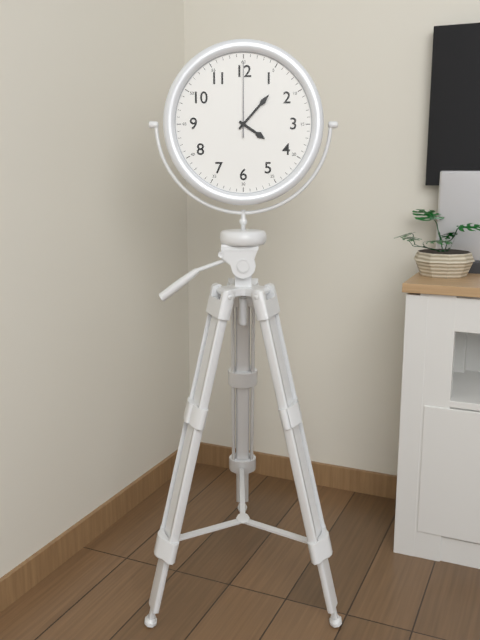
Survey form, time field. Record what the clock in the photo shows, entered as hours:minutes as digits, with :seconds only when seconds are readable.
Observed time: 4:07:00
